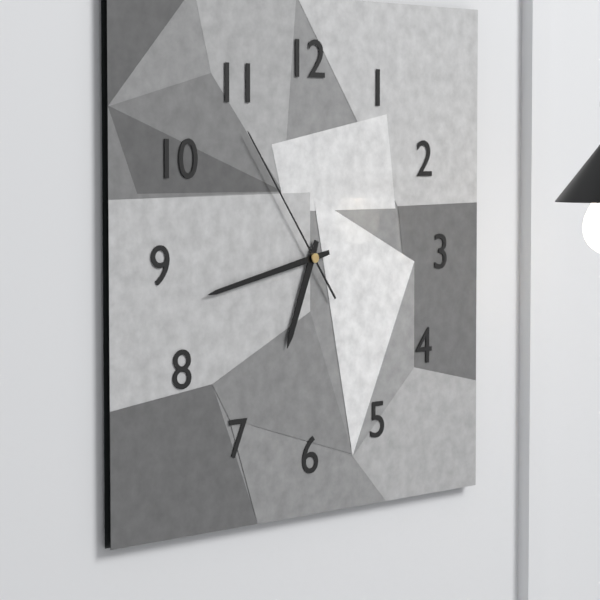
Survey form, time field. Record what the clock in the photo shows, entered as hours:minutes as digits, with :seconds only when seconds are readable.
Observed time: 6:43:54
